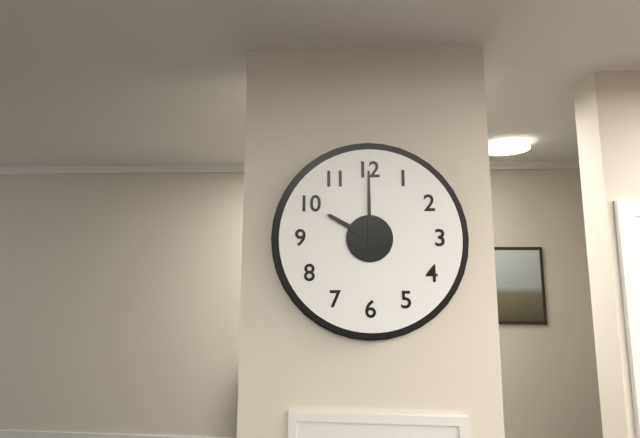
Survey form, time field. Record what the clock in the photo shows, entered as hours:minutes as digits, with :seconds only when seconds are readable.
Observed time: 10:00
